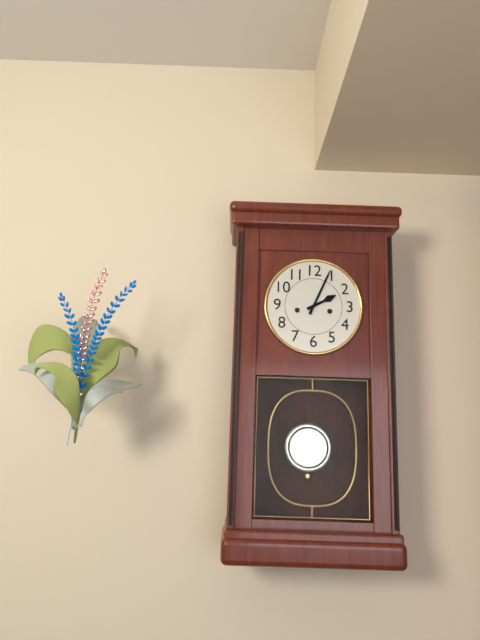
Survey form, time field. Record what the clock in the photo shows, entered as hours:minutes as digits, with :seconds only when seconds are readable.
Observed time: 2:04
